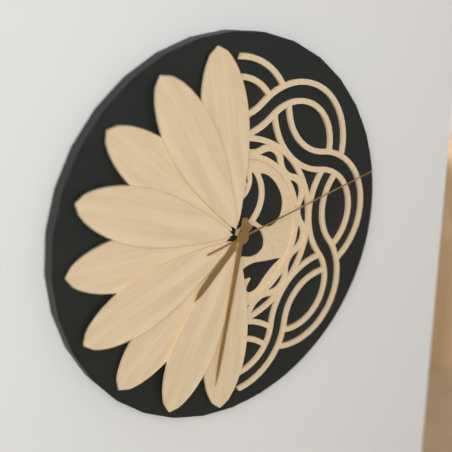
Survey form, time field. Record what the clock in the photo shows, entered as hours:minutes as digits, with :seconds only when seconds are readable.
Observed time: 7:32:13
